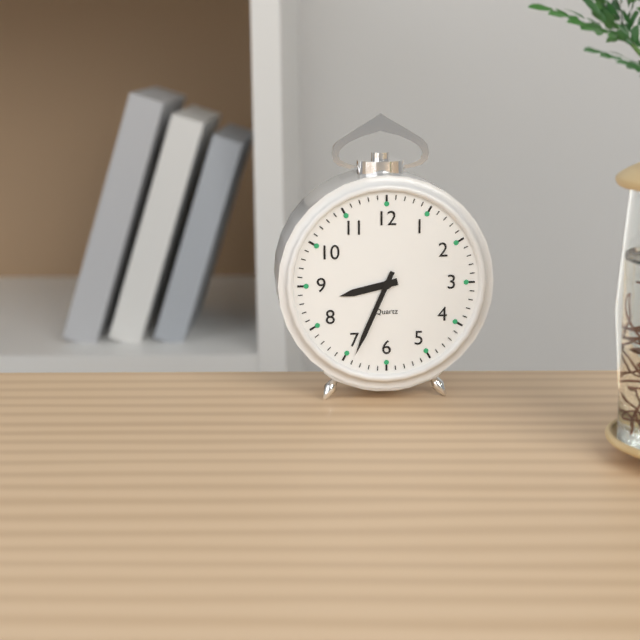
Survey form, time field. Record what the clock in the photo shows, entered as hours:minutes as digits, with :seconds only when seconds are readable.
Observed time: 8:34
